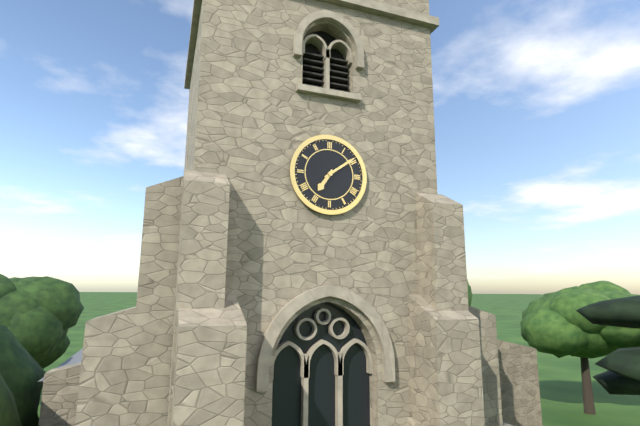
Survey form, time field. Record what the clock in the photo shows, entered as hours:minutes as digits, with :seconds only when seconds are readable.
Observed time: 7:09
